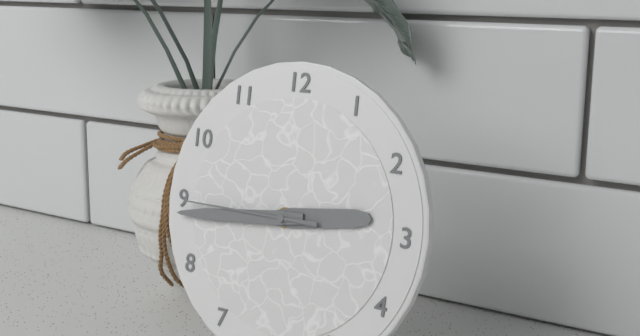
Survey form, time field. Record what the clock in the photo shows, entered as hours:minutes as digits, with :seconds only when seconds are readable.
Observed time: 2:44:45
